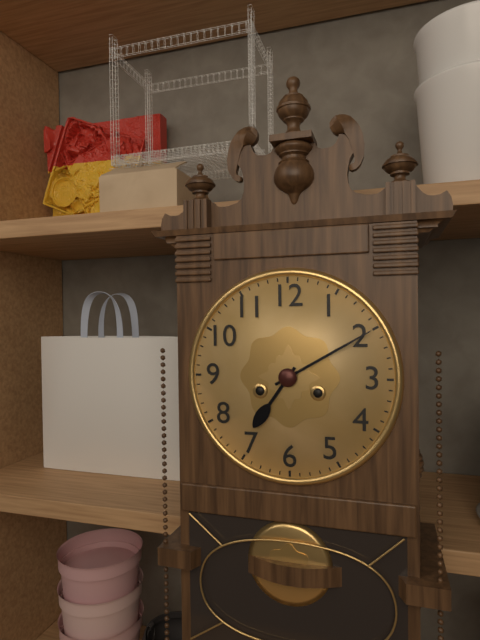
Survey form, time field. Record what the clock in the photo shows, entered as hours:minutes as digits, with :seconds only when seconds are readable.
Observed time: 7:10
